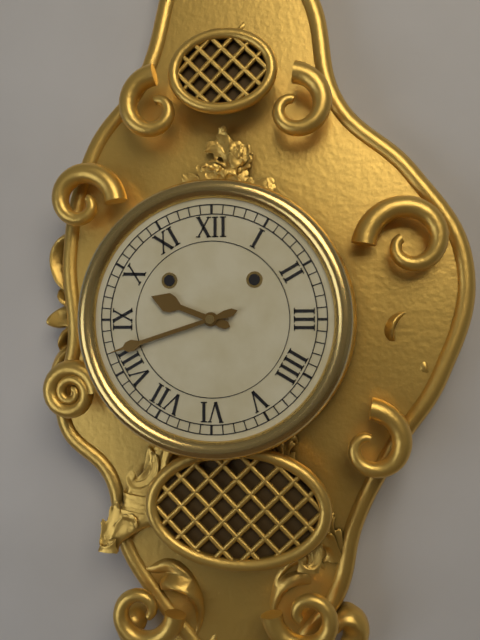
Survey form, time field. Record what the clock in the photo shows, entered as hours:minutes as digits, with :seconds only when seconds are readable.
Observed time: 9:42
